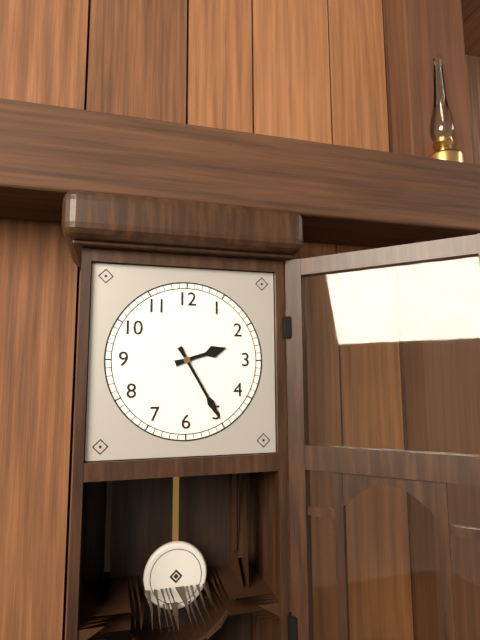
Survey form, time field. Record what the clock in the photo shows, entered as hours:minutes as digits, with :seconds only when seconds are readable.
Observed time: 2:25
